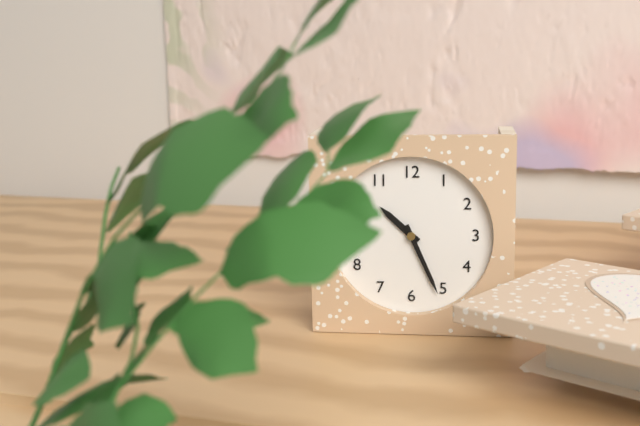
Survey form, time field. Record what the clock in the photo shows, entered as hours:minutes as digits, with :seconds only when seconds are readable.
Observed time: 10:26
